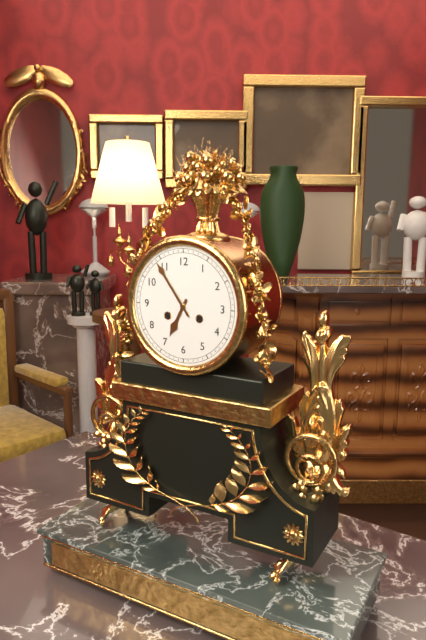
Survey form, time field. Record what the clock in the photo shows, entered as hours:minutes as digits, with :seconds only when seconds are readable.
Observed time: 6:54
